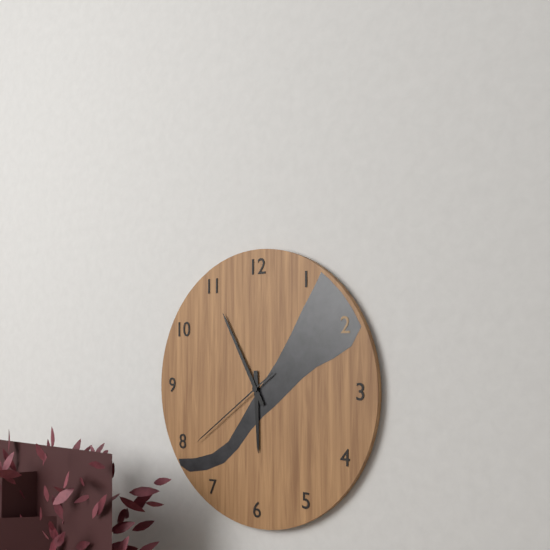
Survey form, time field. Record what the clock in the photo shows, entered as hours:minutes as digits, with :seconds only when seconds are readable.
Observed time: 5:55:39
